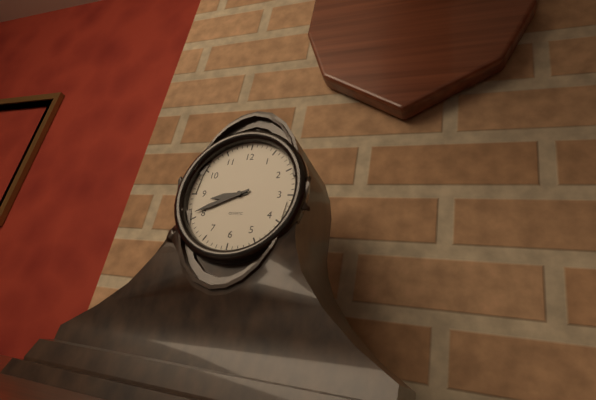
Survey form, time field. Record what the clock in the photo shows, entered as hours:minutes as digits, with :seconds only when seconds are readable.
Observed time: 8:41
